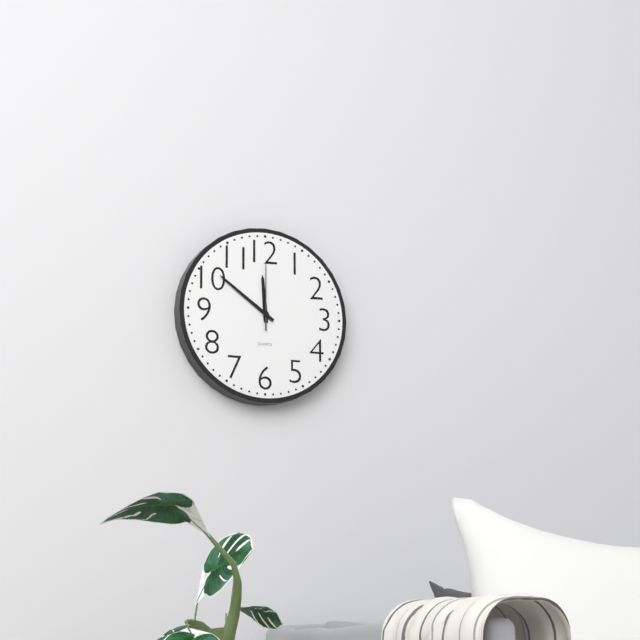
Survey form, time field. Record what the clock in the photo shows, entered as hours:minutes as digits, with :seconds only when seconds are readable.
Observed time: 11:51:00
